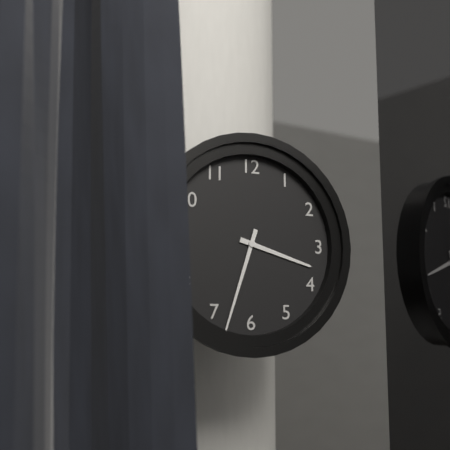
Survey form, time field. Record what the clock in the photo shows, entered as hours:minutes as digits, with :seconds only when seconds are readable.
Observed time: 3:33
